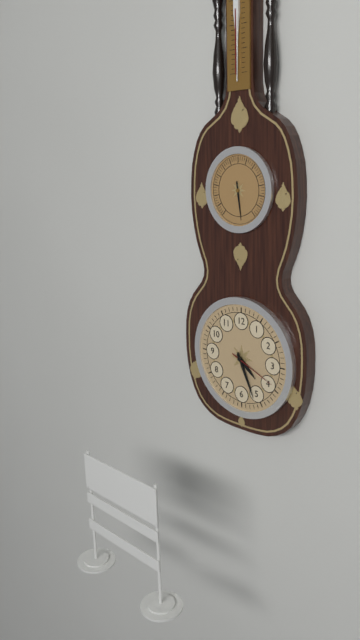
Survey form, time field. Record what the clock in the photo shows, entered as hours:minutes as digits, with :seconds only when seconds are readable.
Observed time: 4:26:19
